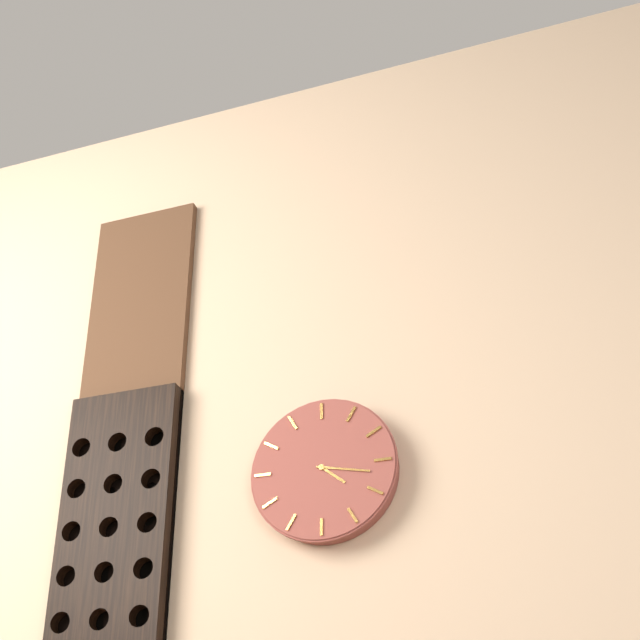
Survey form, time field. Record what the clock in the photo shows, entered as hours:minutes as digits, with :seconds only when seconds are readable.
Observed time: 4:17
